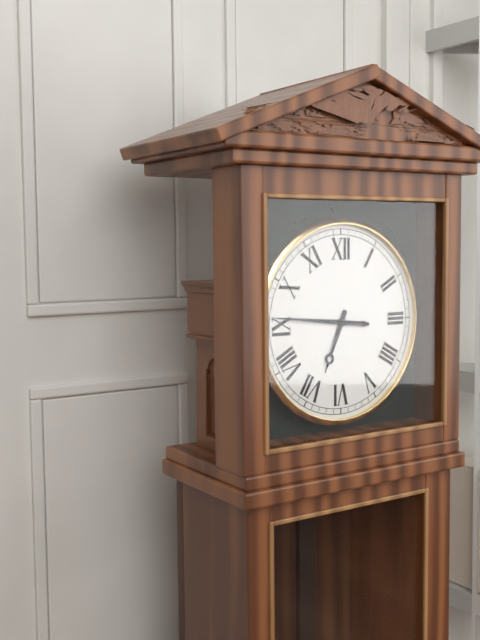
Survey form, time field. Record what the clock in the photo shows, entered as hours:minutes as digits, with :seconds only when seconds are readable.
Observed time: 6:46
